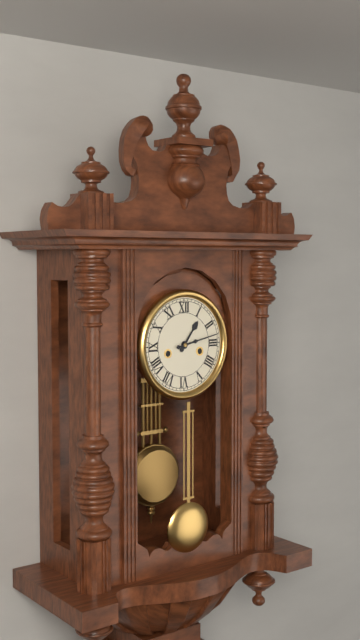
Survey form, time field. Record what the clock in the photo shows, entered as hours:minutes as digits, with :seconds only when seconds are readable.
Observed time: 1:13
